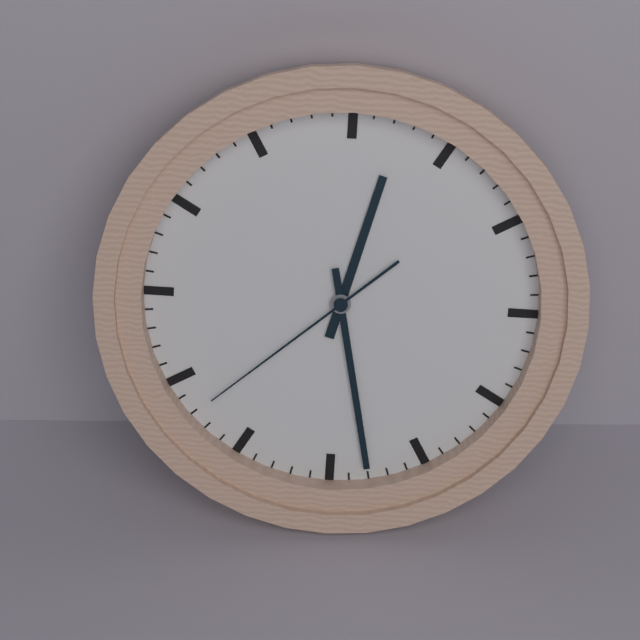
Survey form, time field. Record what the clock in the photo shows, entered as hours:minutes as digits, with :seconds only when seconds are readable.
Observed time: 12:28:38
